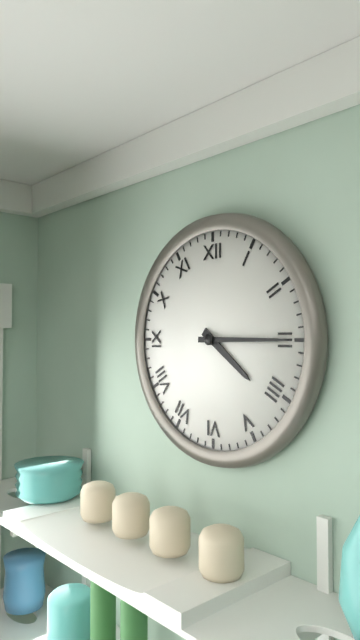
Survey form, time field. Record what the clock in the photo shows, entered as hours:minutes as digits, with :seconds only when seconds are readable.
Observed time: 4:15
